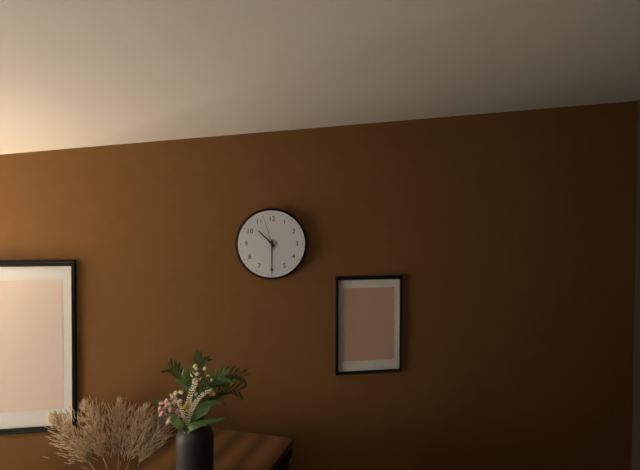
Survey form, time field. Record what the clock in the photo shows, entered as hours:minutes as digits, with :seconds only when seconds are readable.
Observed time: 10:30
